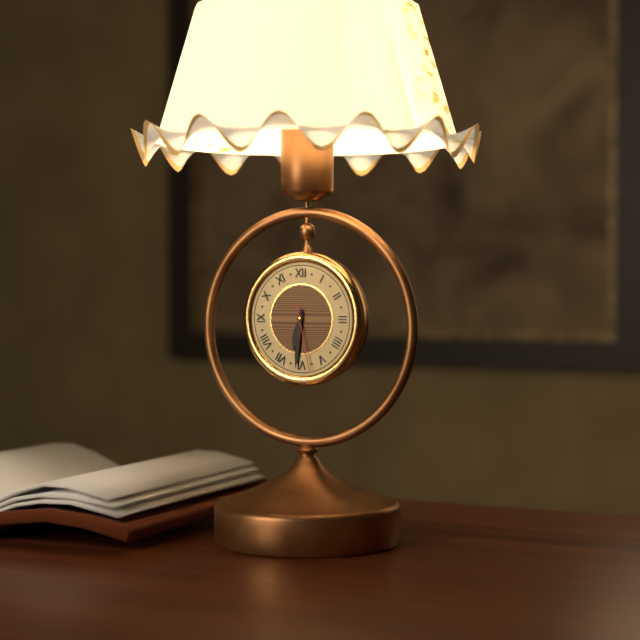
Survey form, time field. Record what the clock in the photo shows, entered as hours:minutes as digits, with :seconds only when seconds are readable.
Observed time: 6:31:28
